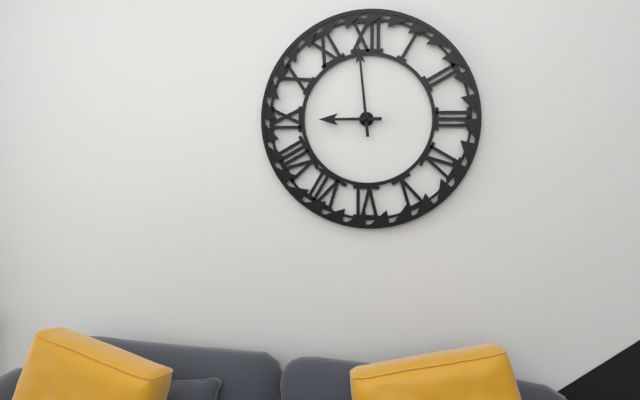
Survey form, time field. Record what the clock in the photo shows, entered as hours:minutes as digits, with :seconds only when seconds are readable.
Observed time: 8:59
